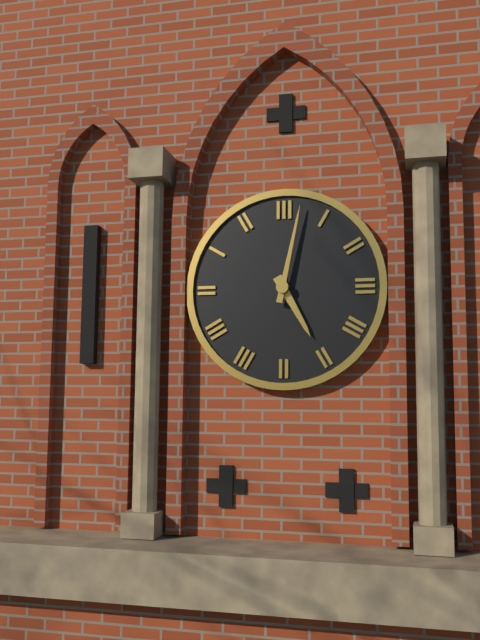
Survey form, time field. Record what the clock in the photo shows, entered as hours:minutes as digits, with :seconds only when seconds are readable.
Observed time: 5:02
